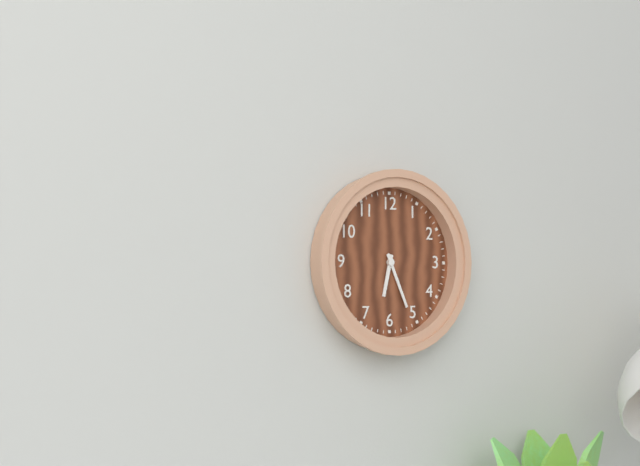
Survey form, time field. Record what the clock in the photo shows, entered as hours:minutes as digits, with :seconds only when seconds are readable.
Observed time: 6:26
